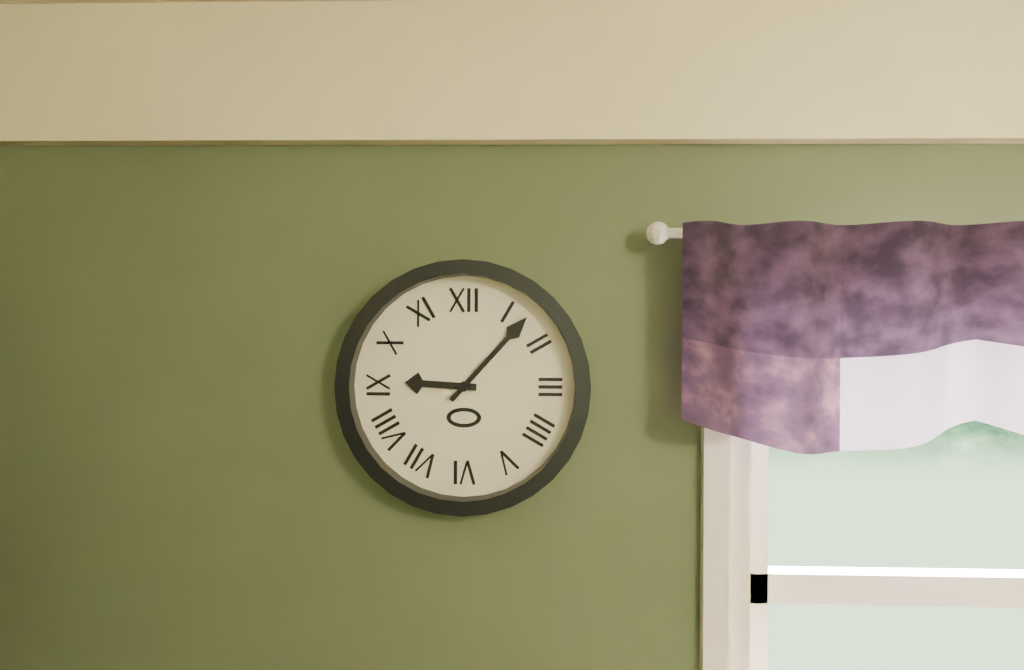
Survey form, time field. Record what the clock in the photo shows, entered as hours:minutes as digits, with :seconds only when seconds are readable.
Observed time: 9:07
